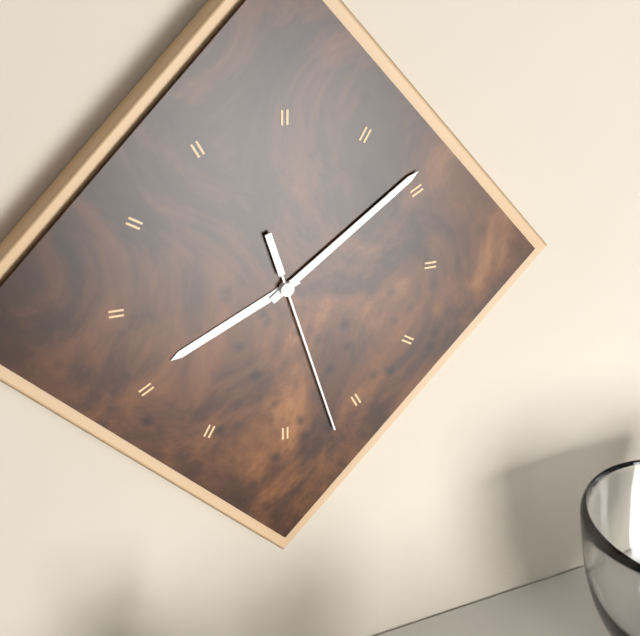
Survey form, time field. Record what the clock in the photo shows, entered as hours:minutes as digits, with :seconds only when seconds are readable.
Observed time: 8:09:27
